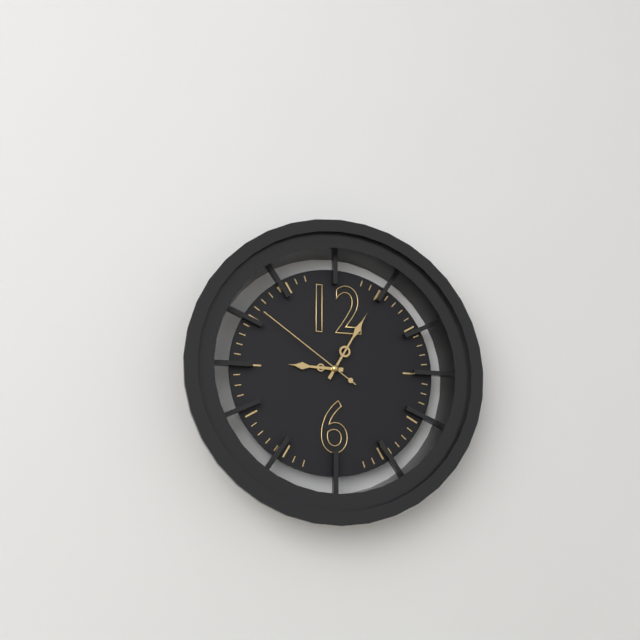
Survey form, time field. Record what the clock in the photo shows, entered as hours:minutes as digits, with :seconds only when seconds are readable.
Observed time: 9:05:51
